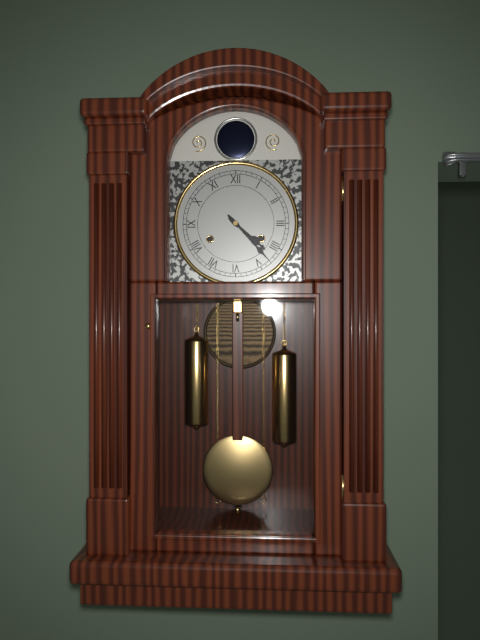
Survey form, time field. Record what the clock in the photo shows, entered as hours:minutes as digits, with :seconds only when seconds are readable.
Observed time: 4:23
